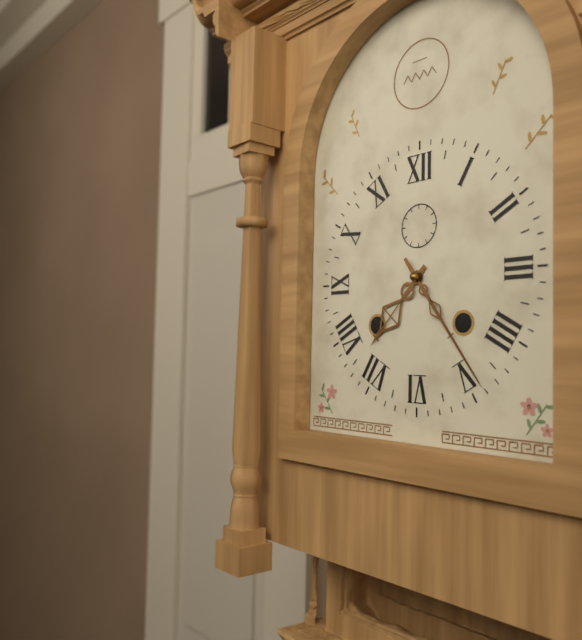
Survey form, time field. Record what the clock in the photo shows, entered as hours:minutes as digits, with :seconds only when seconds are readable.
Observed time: 7:24
